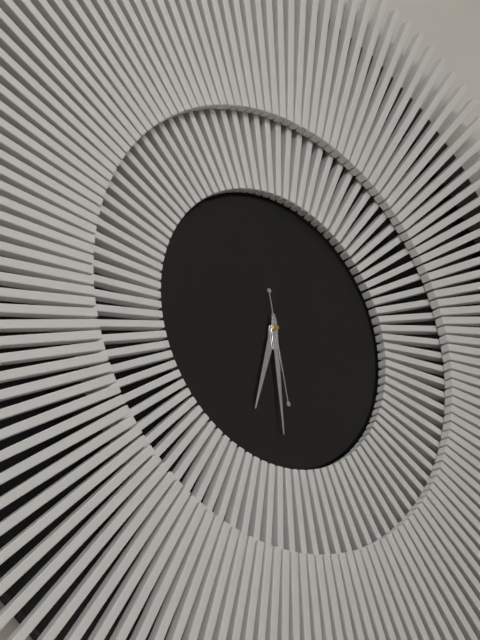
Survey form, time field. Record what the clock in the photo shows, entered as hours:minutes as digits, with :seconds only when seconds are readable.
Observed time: 6:29:28
